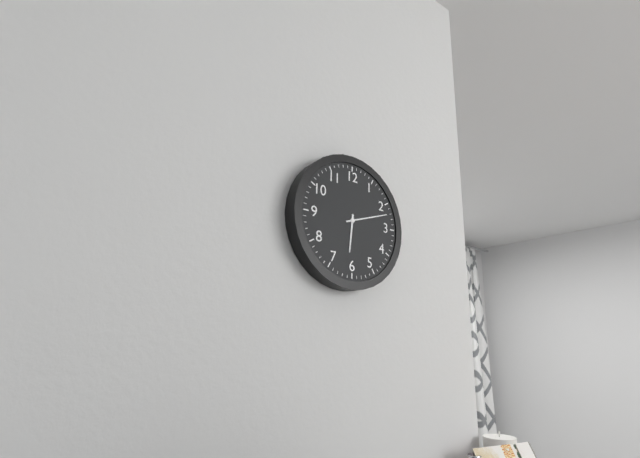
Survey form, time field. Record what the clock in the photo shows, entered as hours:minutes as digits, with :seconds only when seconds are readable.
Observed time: 6:12
